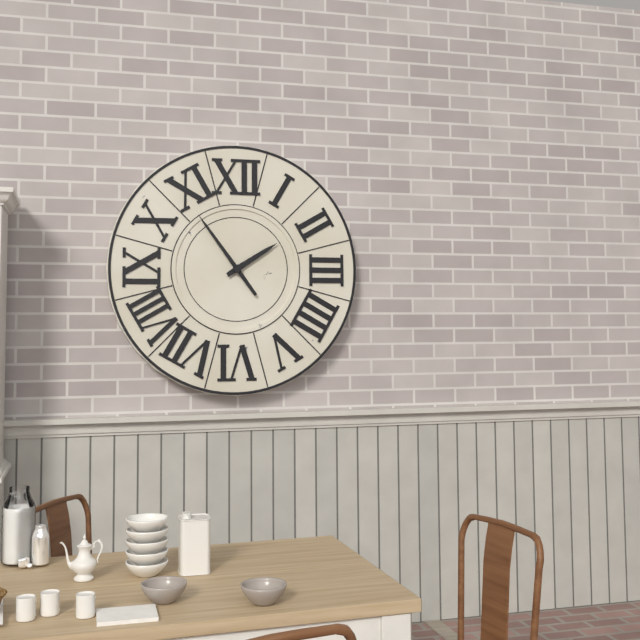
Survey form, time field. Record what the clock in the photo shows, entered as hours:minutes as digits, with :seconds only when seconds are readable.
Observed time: 1:54
